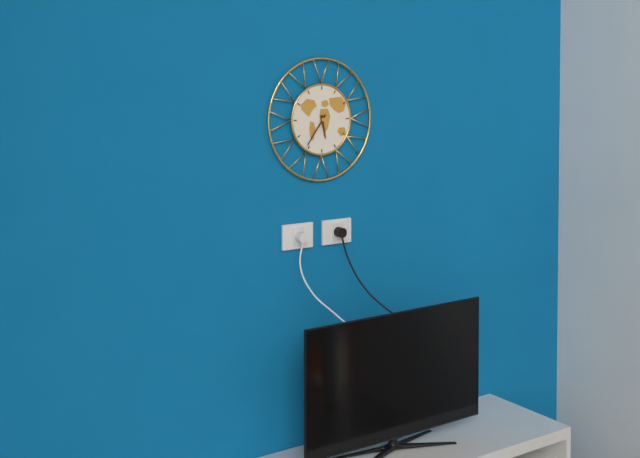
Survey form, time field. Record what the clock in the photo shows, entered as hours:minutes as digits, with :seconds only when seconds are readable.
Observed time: 5:36
